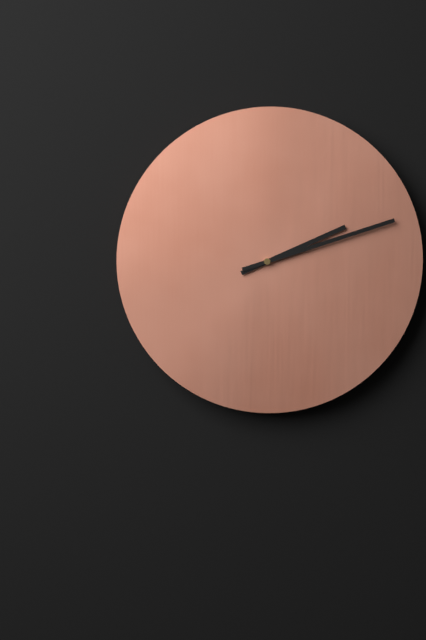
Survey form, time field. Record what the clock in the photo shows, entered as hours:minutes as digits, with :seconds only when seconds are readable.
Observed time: 2:12
